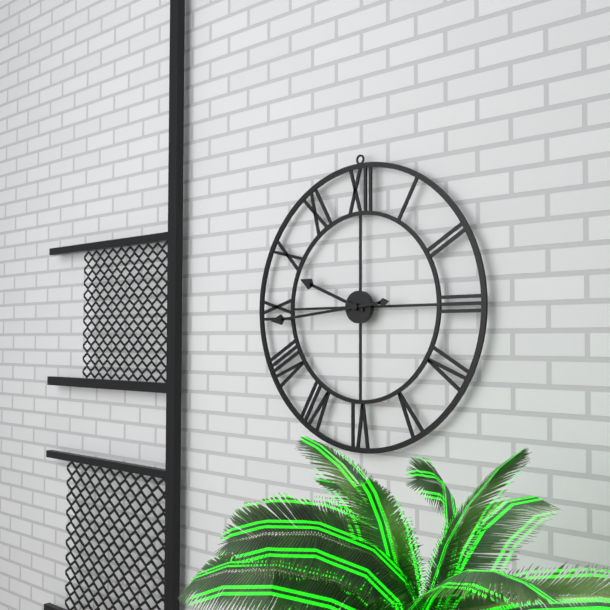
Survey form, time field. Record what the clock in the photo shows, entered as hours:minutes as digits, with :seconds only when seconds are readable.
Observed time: 9:44
